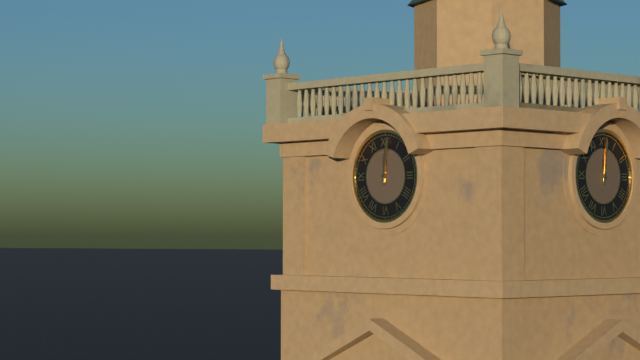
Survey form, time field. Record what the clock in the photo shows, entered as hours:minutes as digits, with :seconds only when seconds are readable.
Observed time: 12:01
